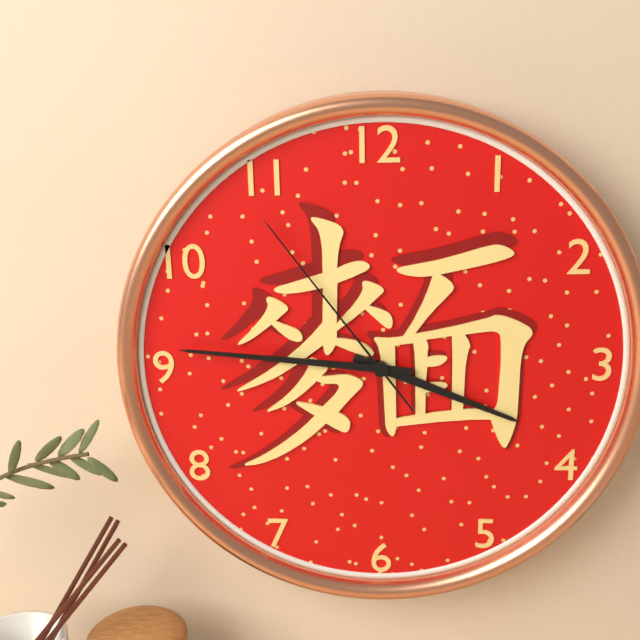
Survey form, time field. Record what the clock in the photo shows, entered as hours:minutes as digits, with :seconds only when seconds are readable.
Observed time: 3:46:54
